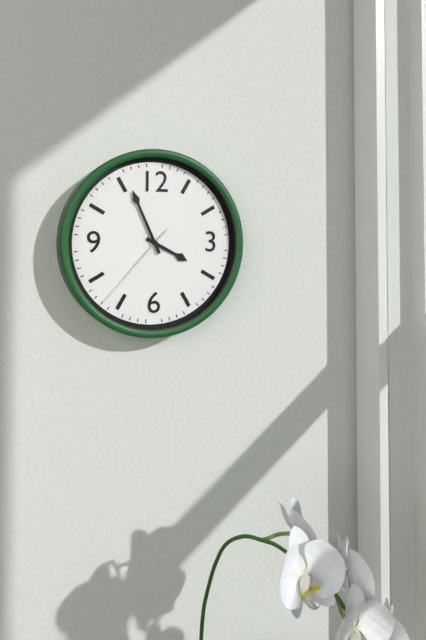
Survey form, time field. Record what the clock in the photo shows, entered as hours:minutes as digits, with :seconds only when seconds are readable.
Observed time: 3:56:37
